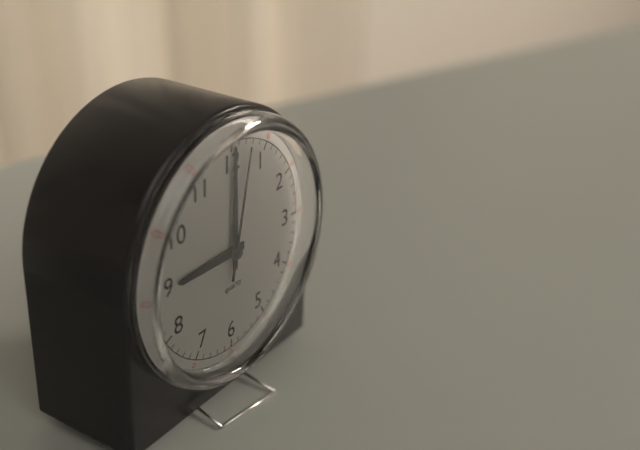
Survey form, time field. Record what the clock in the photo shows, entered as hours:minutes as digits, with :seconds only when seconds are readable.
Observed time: 9:00:02
